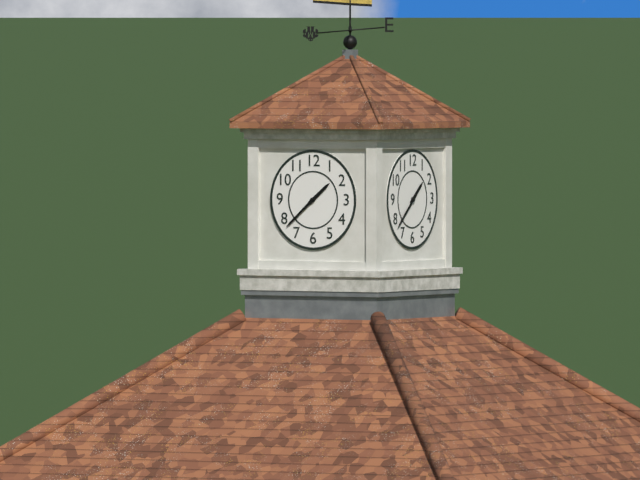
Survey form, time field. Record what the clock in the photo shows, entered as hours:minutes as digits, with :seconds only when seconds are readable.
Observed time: 1:38
